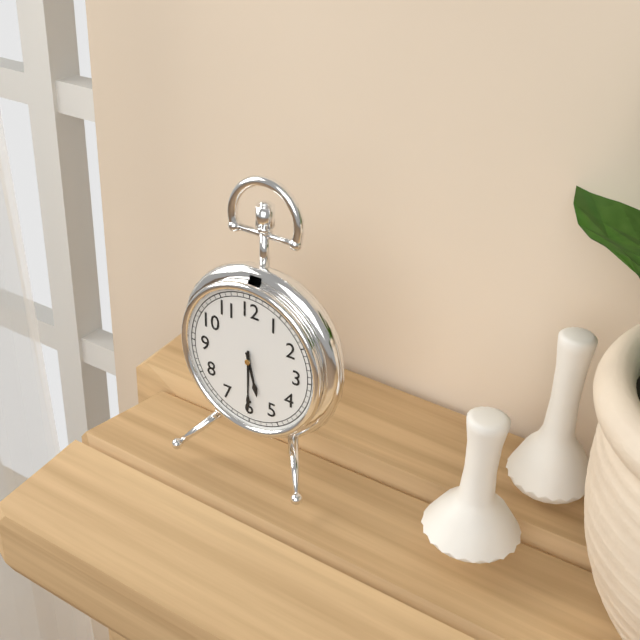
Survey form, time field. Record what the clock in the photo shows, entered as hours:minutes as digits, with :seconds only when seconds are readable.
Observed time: 5:30
